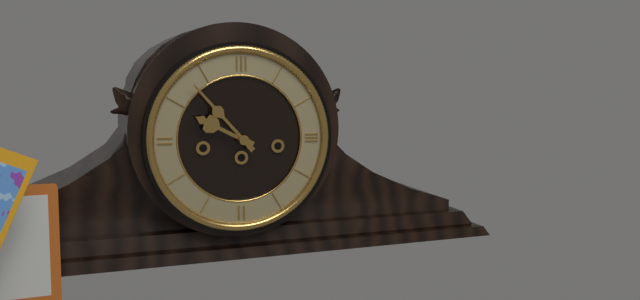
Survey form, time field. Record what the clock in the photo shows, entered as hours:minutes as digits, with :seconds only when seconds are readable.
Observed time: 9:53
